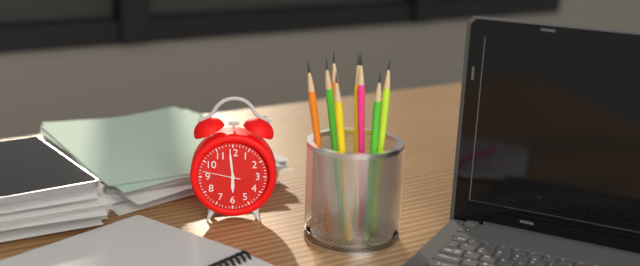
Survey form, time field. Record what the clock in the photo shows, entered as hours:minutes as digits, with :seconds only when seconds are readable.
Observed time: 5:59
